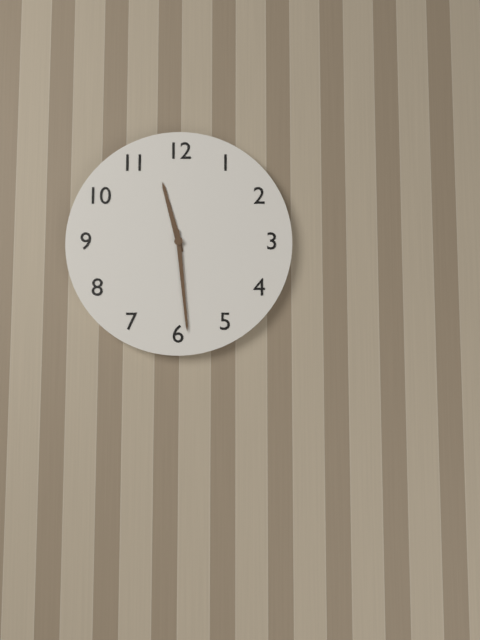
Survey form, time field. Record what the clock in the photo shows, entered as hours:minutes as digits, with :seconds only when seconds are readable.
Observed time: 11:29
